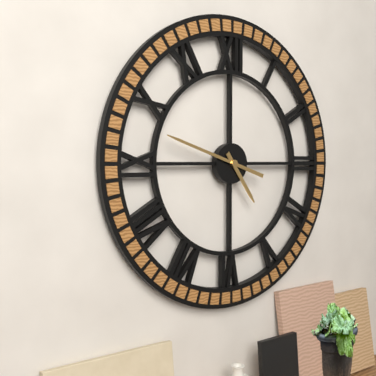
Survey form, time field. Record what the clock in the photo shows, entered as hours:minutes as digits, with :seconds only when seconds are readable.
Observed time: 4:48
